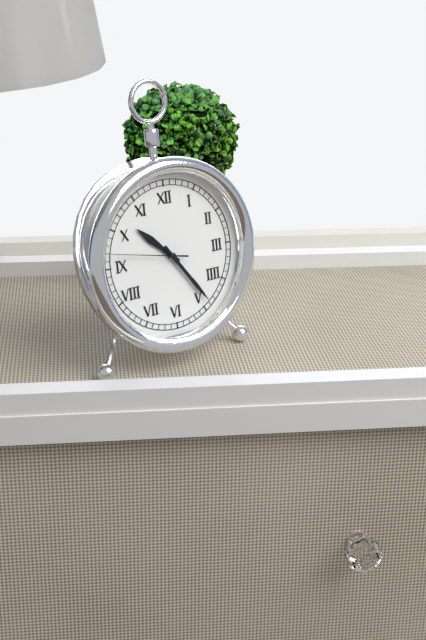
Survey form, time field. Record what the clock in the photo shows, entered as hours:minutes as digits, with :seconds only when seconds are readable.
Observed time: 10:24:47
